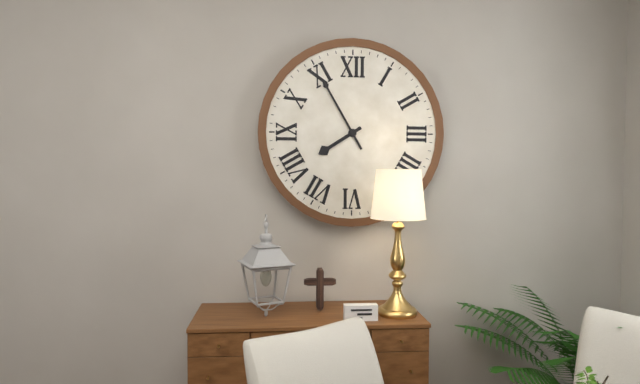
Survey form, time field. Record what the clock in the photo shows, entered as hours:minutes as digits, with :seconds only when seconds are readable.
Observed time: 7:55
